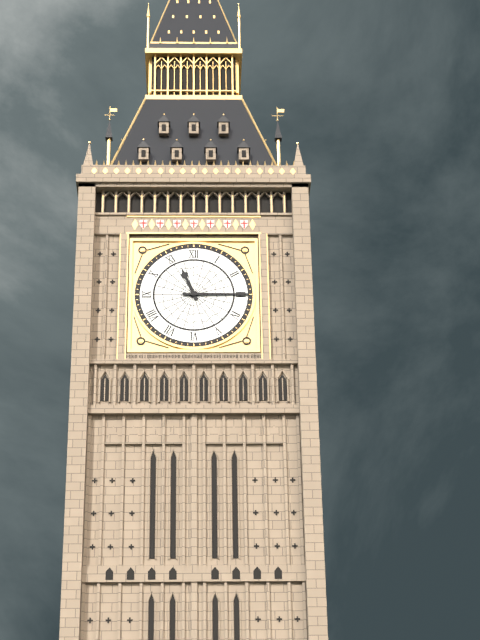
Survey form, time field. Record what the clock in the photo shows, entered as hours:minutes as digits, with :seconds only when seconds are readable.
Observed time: 11:15
